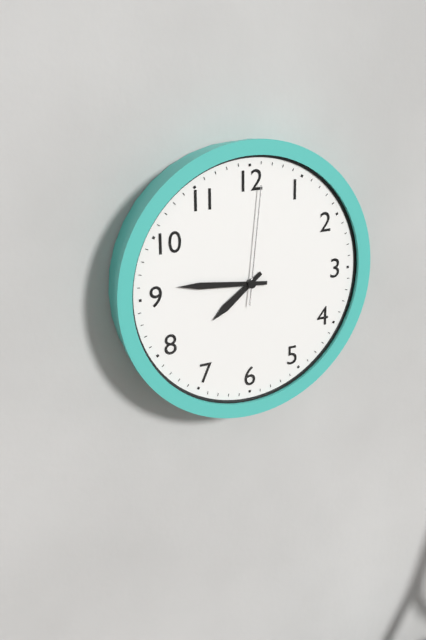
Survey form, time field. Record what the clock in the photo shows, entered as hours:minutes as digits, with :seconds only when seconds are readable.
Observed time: 7:46:01
